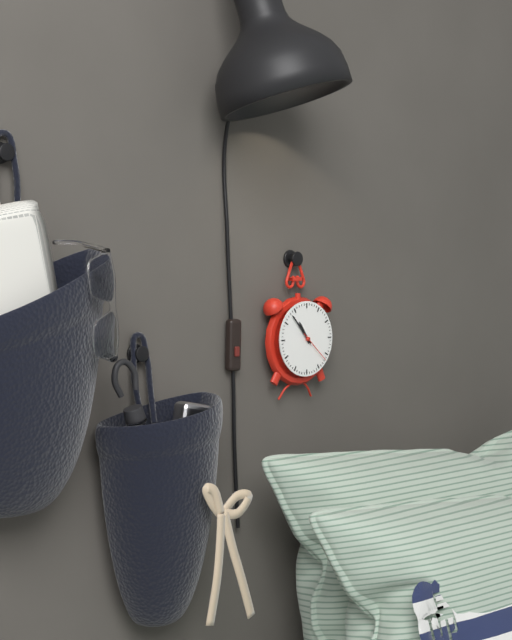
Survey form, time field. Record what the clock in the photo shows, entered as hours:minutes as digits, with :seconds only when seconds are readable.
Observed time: 10:53
